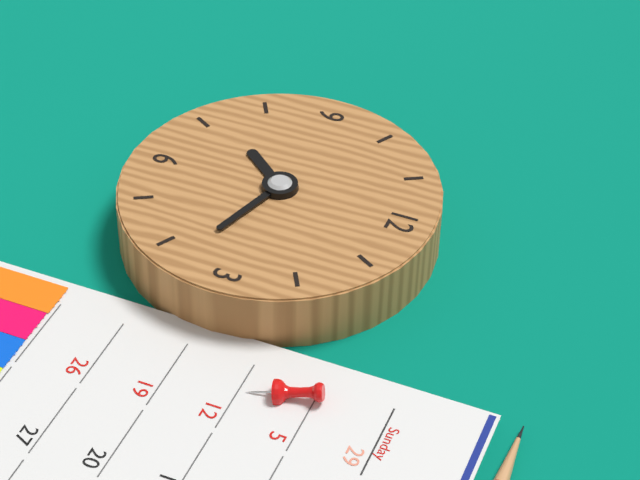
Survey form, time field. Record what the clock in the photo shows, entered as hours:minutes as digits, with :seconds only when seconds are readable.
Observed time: 7:18
